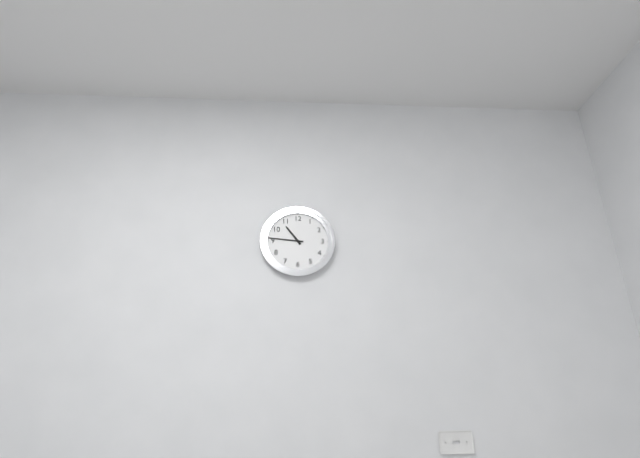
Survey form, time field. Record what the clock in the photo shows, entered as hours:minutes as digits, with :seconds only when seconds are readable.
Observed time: 10:46
